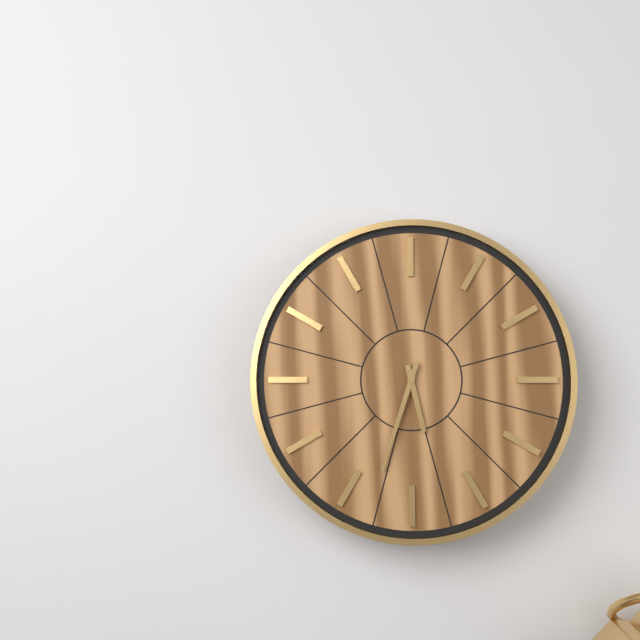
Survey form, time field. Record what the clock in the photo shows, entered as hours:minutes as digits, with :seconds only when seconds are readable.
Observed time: 5:33
